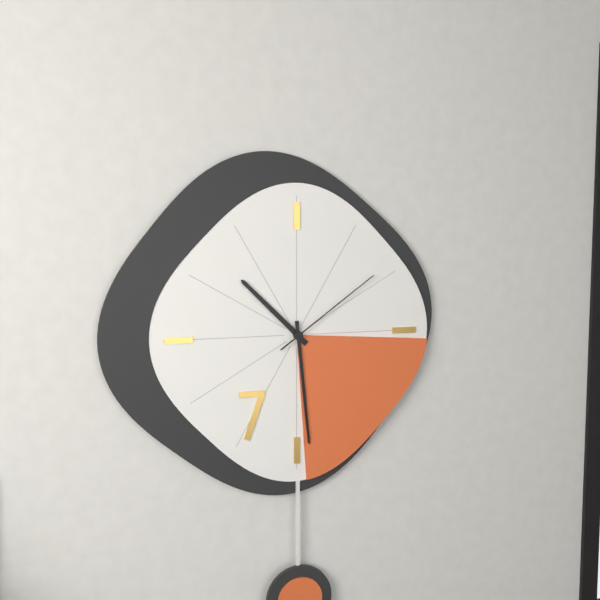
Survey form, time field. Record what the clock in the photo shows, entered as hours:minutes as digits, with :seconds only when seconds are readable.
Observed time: 10:29:09
